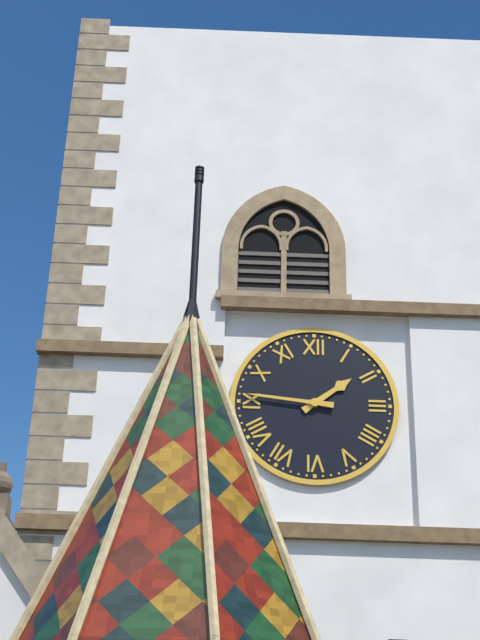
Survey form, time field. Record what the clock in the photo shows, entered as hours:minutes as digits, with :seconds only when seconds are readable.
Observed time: 1:46
